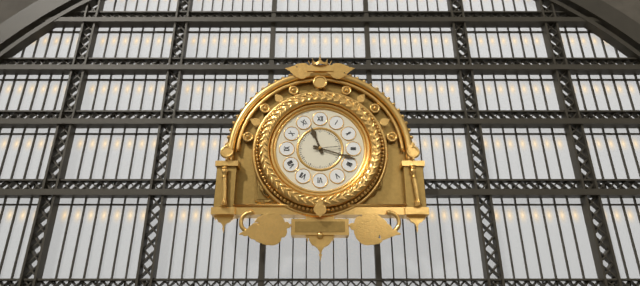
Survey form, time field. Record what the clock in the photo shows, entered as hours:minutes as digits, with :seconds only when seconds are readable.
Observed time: 11:18
